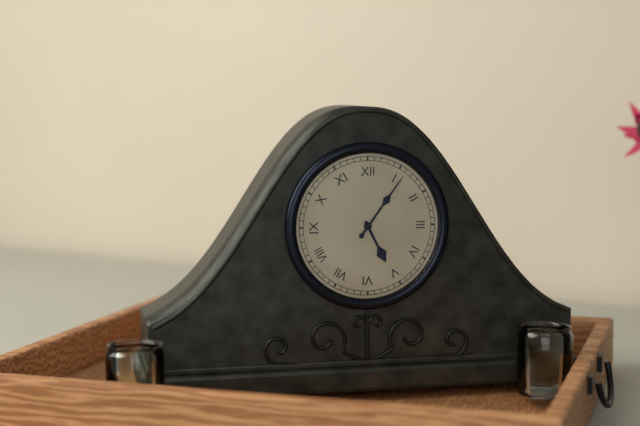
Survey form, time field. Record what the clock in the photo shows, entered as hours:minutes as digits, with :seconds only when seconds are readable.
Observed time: 5:06
